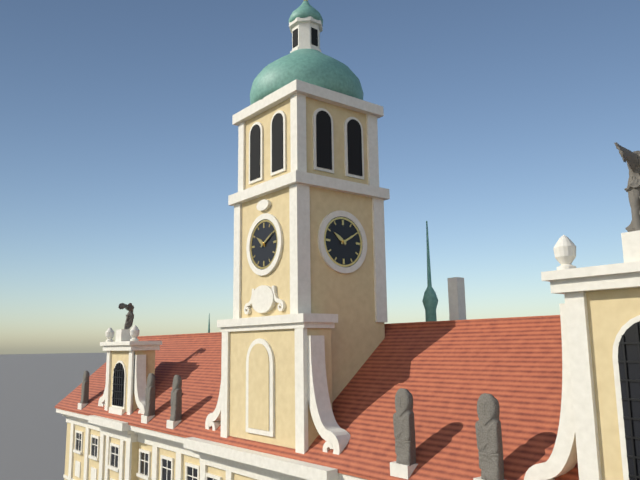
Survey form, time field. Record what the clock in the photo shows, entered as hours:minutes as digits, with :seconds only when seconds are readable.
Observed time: 10:10
